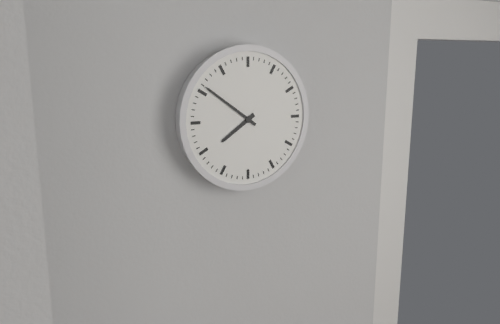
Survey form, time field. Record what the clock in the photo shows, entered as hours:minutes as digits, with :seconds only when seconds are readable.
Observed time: 7:51
